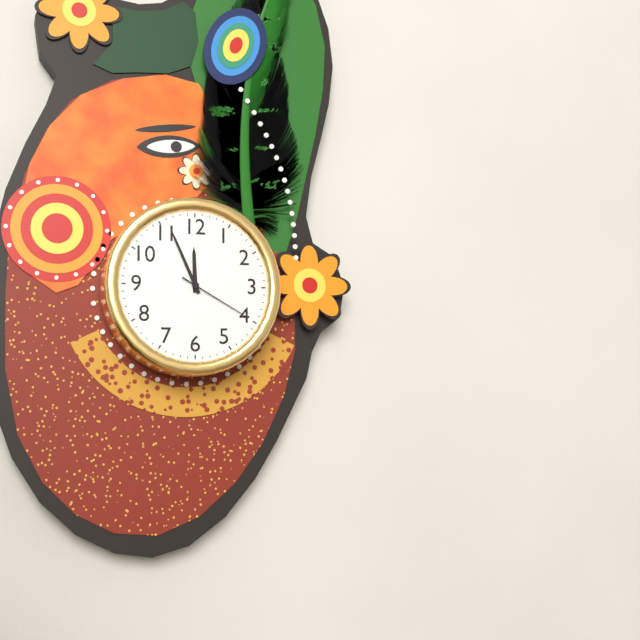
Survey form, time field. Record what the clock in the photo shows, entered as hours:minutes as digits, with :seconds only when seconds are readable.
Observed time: 11:56:20
